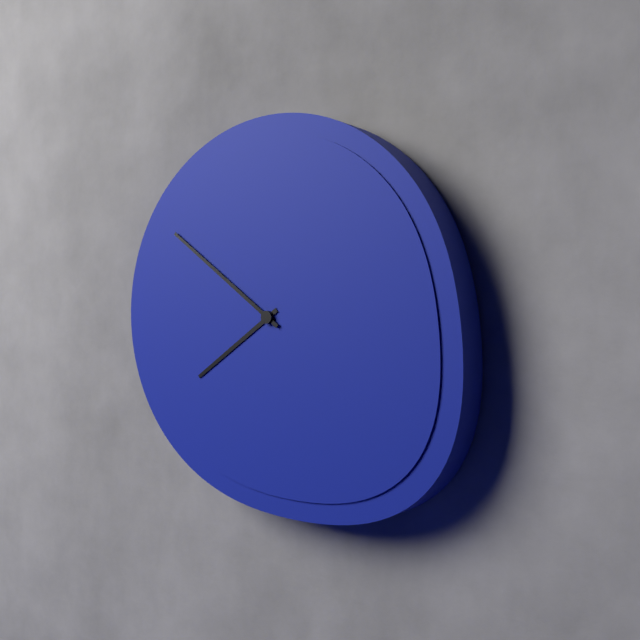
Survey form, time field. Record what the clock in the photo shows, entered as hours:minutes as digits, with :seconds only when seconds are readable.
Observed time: 7:51
